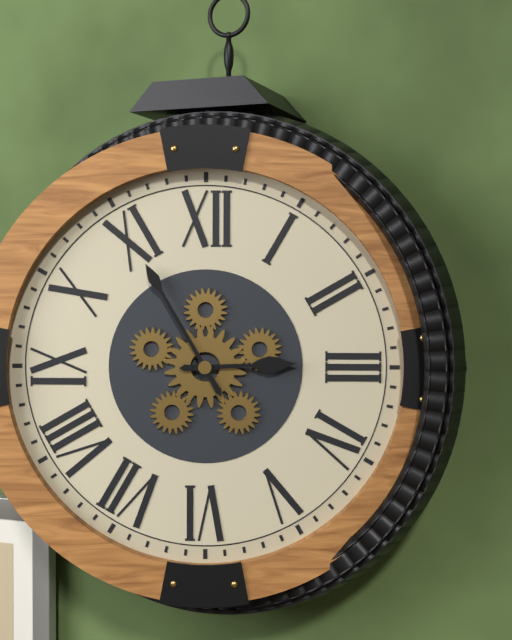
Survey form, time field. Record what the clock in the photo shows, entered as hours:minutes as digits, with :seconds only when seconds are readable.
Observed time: 2:55
